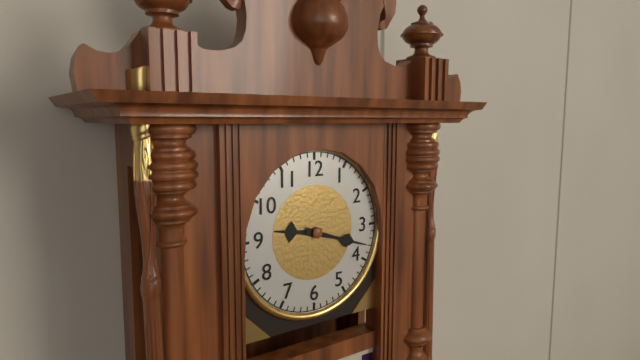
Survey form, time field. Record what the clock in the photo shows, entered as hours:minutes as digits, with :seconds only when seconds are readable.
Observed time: 9:18
